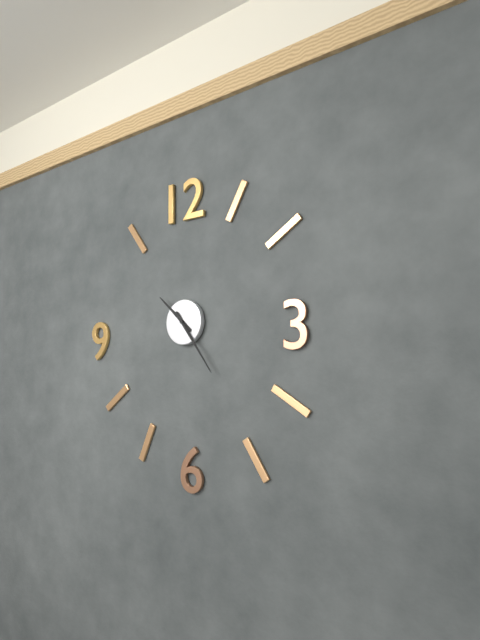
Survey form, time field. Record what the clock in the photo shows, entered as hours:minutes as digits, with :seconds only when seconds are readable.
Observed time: 10:24
